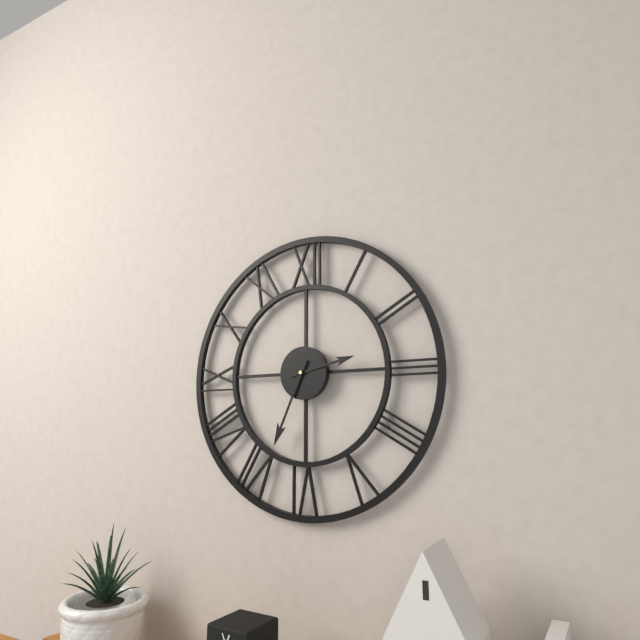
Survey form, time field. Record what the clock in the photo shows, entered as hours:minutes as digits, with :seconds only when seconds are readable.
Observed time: 2:34
